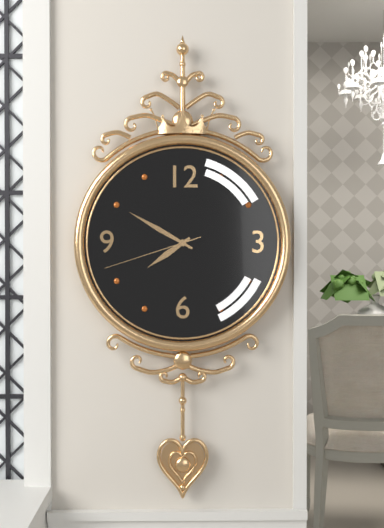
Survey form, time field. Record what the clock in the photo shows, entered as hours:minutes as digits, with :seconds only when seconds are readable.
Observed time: 7:50:42
